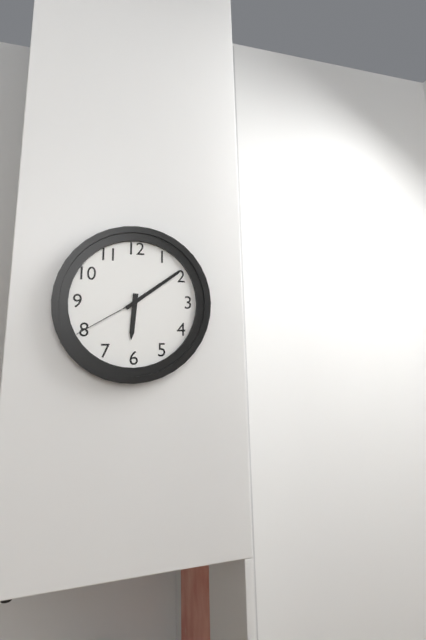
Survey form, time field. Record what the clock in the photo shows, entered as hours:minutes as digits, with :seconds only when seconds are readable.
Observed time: 6:09:40
